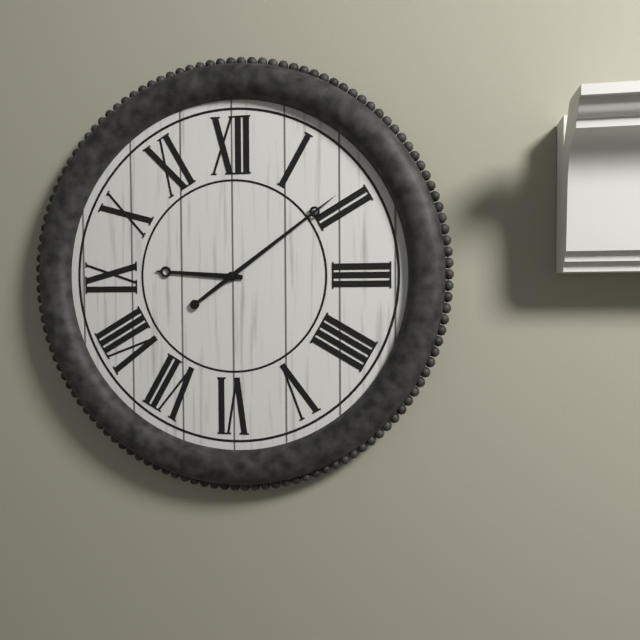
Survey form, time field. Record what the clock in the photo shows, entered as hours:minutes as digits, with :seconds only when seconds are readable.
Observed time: 9:09
